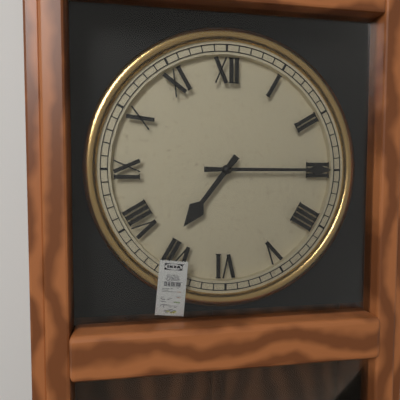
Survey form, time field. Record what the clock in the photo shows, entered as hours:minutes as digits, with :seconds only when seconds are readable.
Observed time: 7:15
